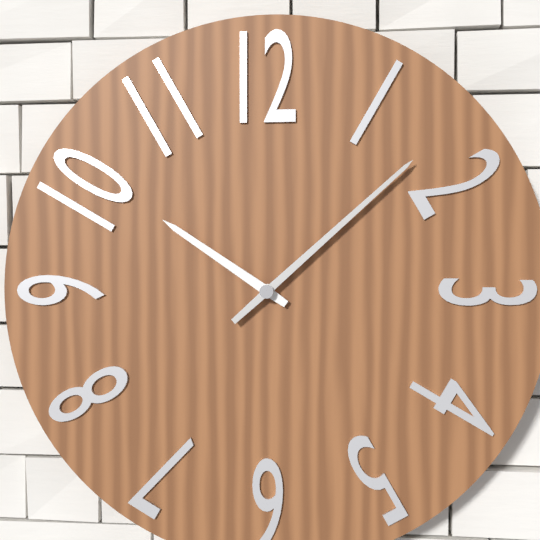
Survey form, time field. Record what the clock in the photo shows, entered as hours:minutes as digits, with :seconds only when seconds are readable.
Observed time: 10:08
